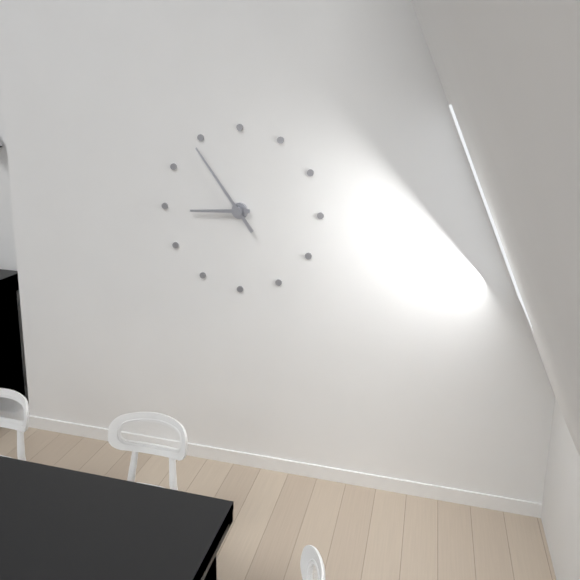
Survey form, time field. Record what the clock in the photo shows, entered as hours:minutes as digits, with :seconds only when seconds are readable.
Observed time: 8:54
